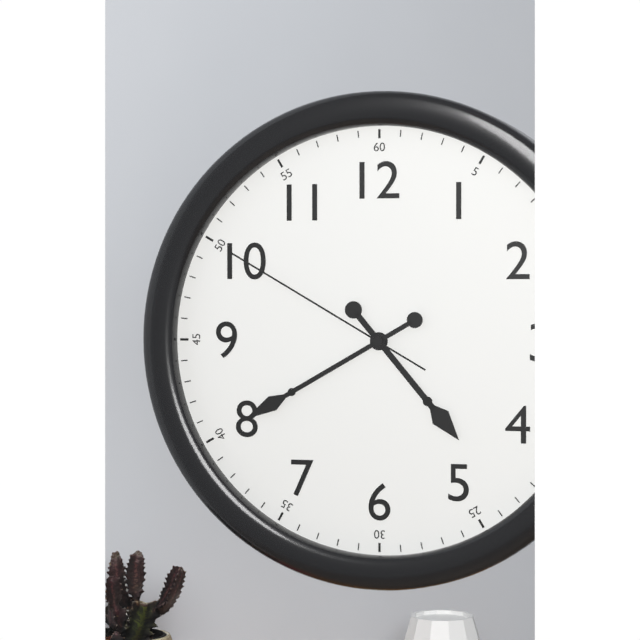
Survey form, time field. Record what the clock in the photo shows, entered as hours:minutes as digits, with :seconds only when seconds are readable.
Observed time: 4:40:50
